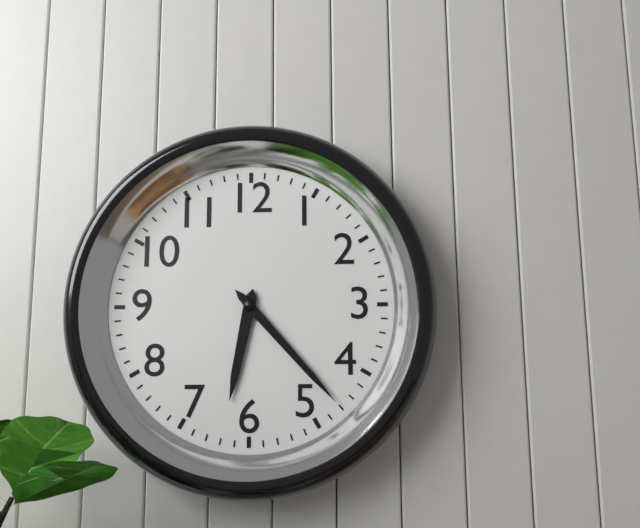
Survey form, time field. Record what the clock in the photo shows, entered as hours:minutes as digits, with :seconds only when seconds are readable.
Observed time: 6:23
